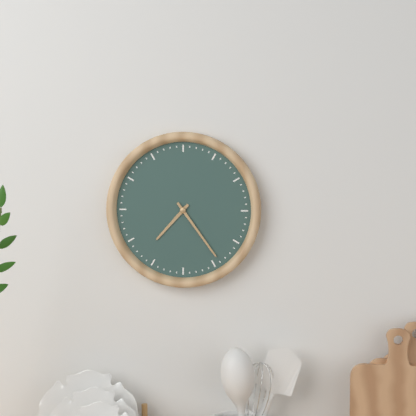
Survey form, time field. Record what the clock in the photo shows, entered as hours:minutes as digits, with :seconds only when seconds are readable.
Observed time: 7:24
